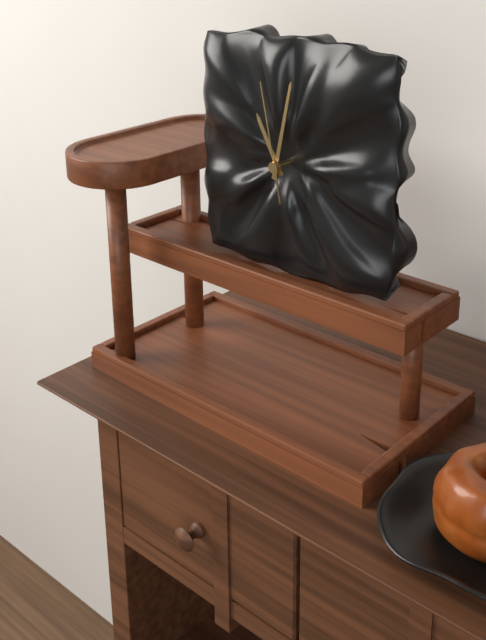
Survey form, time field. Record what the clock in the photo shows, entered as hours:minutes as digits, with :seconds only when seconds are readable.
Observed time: 11:02:58
